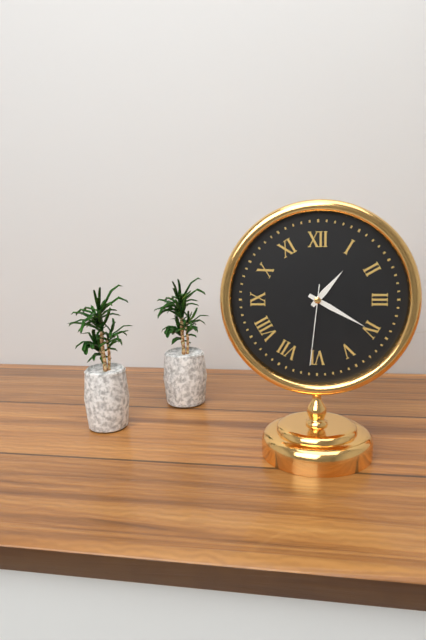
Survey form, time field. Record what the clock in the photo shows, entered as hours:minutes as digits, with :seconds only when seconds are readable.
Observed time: 1:20:31
